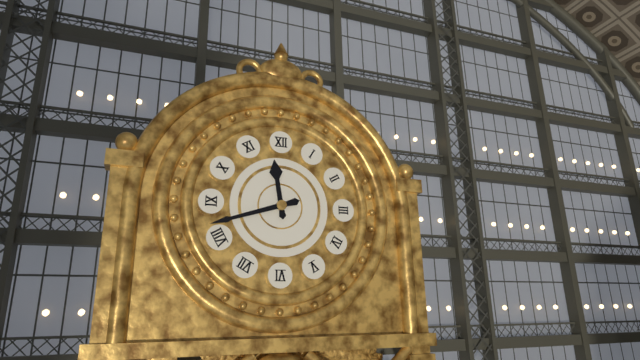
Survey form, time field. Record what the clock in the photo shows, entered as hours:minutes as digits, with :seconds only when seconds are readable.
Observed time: 11:42
